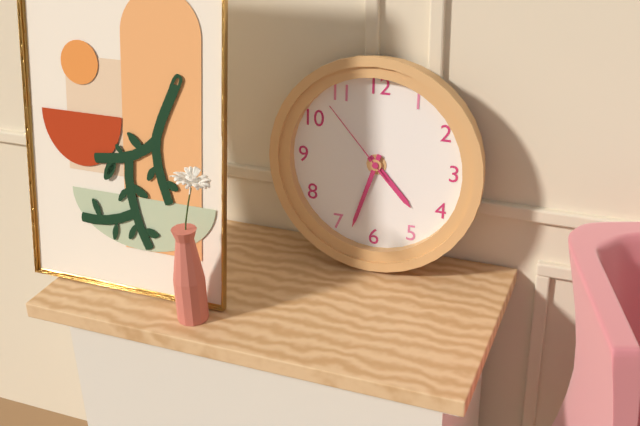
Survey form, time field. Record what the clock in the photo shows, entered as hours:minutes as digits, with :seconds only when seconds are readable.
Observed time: 4:33:53
